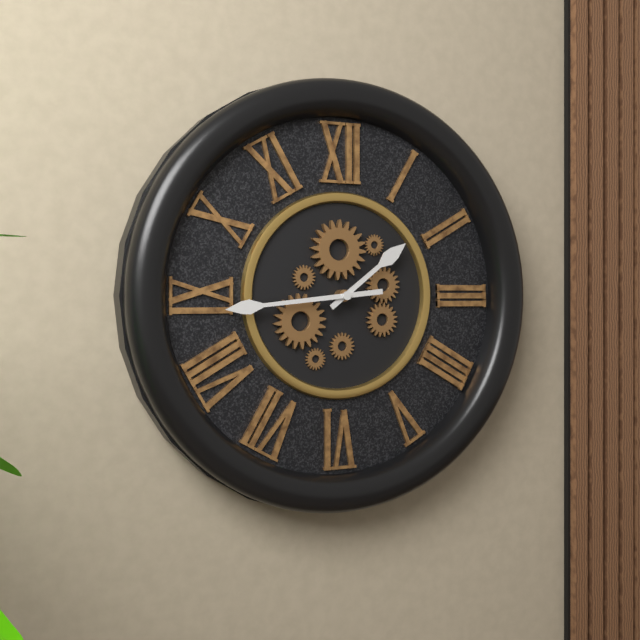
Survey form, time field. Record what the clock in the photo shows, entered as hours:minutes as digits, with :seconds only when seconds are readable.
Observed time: 1:44
